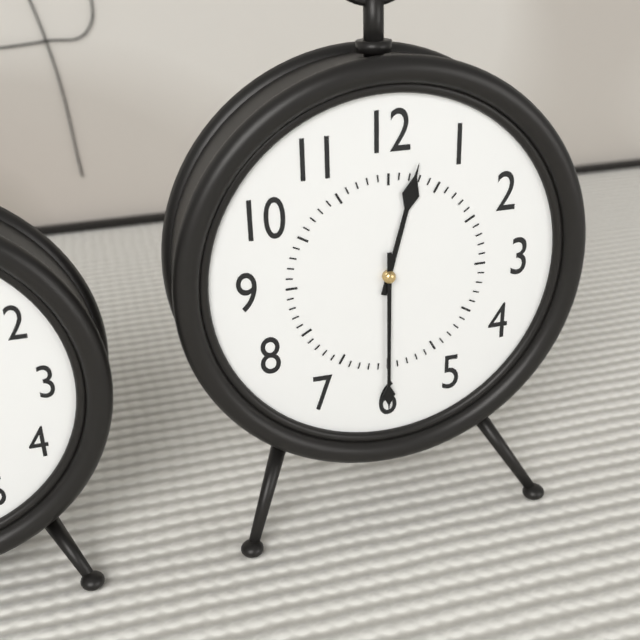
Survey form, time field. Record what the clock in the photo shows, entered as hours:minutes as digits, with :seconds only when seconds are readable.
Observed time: 12:30
